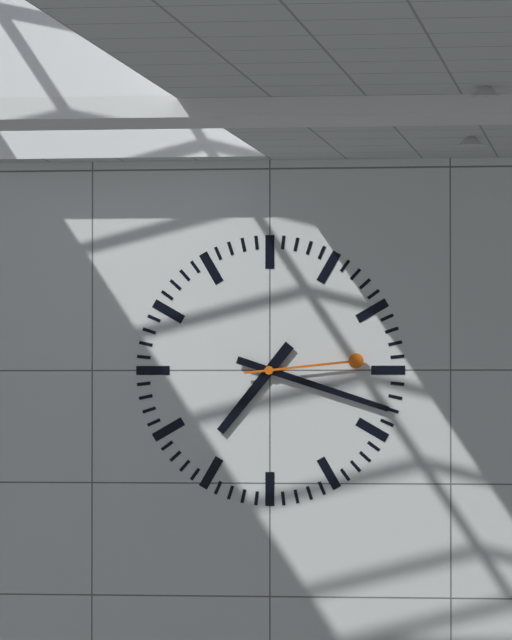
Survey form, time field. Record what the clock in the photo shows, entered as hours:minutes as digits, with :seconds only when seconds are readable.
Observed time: 7:18:14
